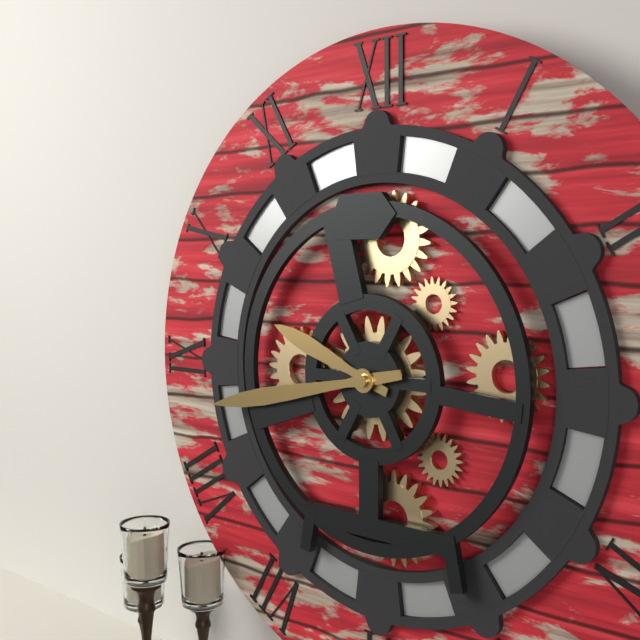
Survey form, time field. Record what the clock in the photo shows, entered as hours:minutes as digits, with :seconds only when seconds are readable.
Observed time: 9:43
